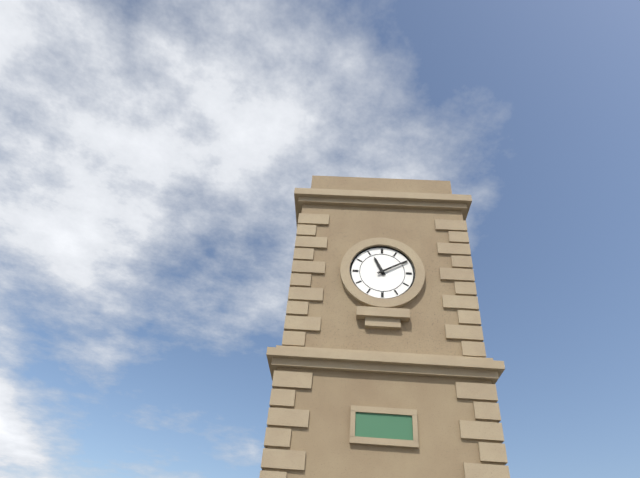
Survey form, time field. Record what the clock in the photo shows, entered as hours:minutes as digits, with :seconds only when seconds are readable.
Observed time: 11:10
